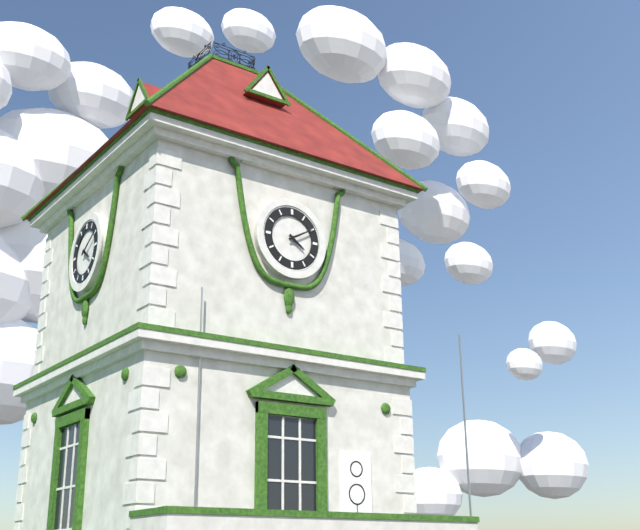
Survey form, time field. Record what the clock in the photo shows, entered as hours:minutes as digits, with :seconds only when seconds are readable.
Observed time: 4:10
